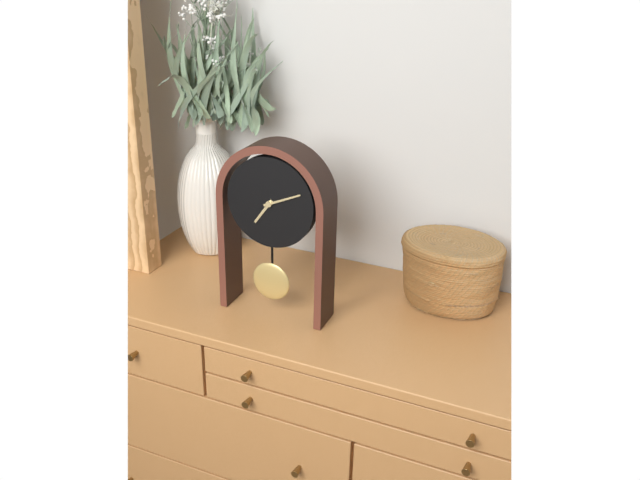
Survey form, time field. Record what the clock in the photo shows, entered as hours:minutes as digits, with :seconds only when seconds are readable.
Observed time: 7:11
